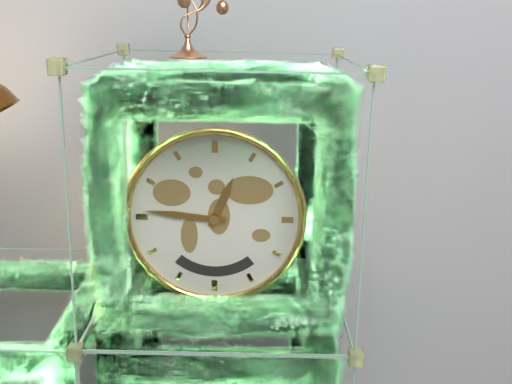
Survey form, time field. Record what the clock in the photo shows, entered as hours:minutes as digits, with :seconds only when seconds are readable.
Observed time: 12:46
